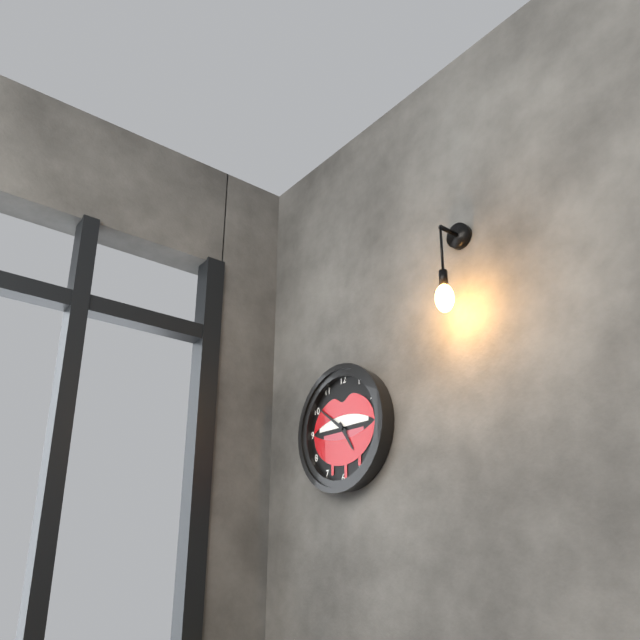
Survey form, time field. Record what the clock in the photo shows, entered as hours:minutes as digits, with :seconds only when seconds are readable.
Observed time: 4:51
